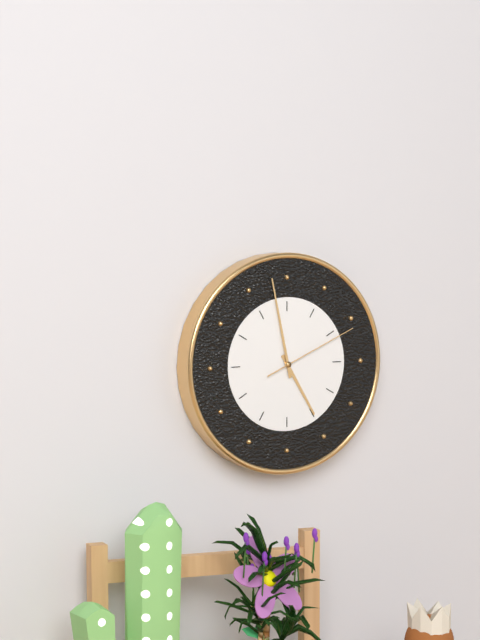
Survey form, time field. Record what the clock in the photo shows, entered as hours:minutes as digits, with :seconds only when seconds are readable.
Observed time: 4:58:11
